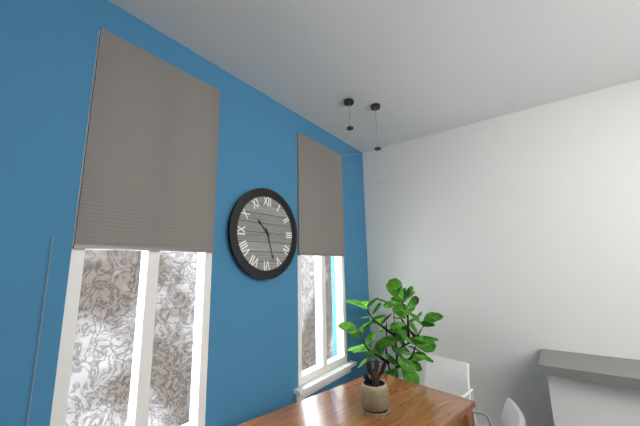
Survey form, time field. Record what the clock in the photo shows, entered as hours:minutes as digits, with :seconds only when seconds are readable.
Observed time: 10:27
